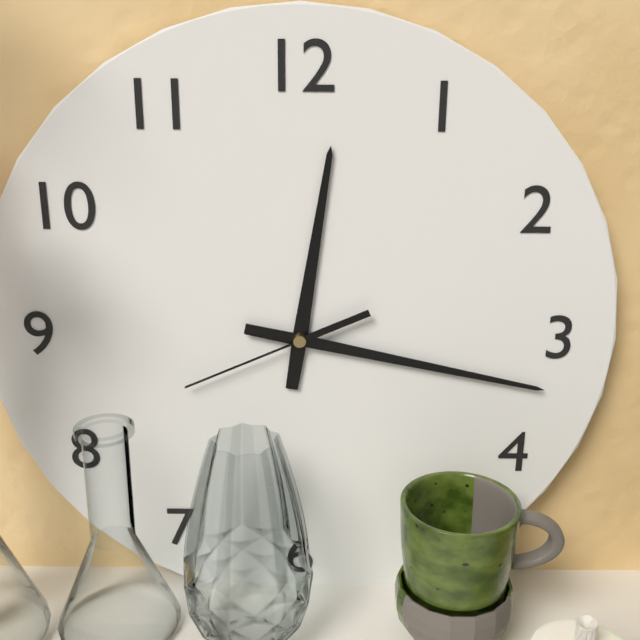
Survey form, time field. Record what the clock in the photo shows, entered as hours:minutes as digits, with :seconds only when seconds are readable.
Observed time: 12:17:41
